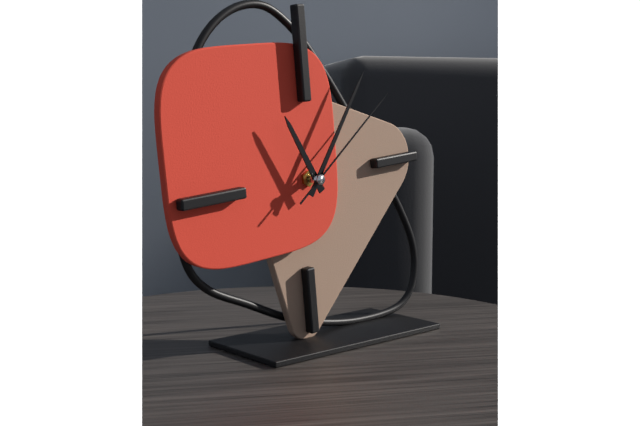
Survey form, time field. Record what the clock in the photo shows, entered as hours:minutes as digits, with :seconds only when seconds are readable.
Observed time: 11:06:09
